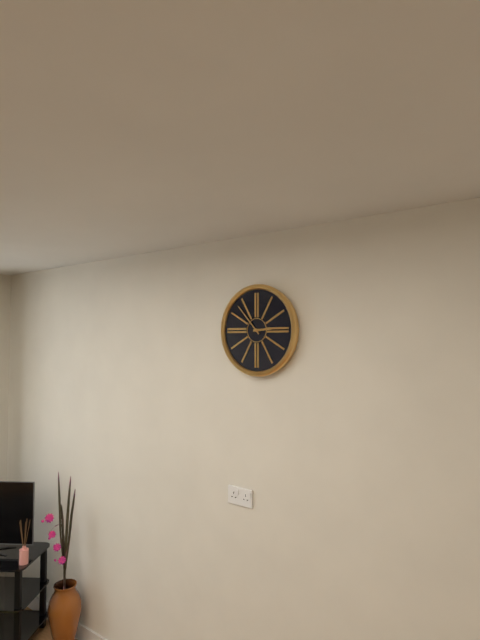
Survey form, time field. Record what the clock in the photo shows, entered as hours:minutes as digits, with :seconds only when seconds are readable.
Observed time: 2:53
